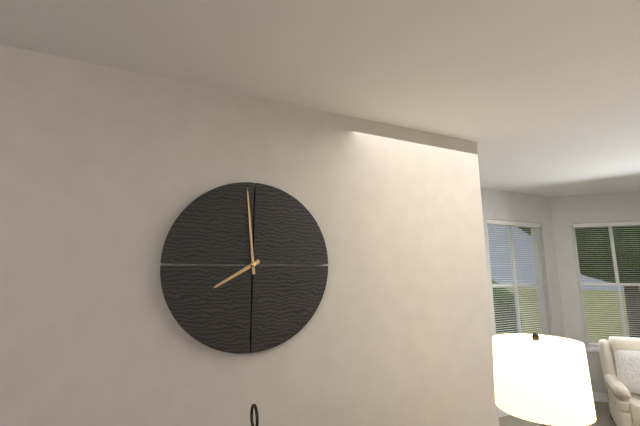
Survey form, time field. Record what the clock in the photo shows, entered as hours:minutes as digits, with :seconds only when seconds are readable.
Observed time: 7:59
